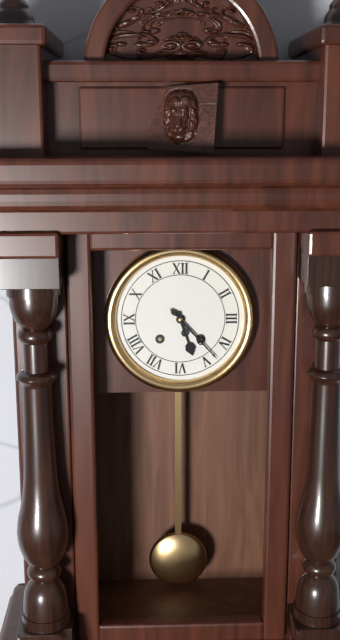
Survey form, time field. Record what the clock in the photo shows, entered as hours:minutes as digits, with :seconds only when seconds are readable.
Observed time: 5:23
